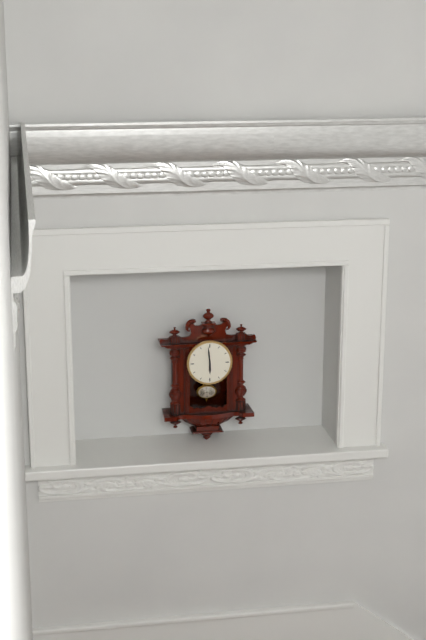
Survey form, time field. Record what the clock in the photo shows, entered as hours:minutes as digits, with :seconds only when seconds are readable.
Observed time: 5:59
